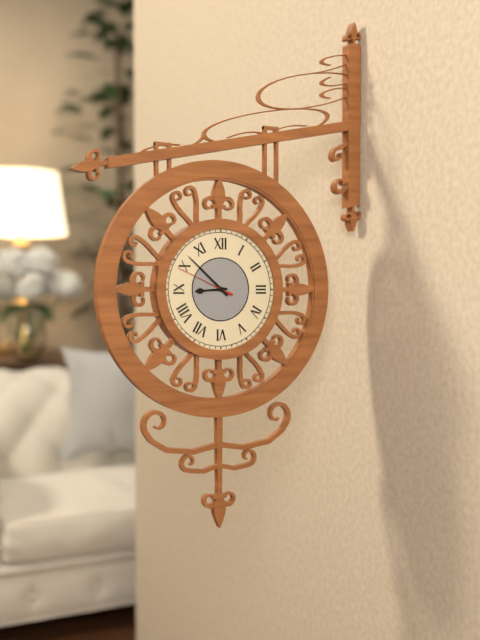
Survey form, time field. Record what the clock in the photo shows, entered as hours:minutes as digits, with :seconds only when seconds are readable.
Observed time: 8:52:49
